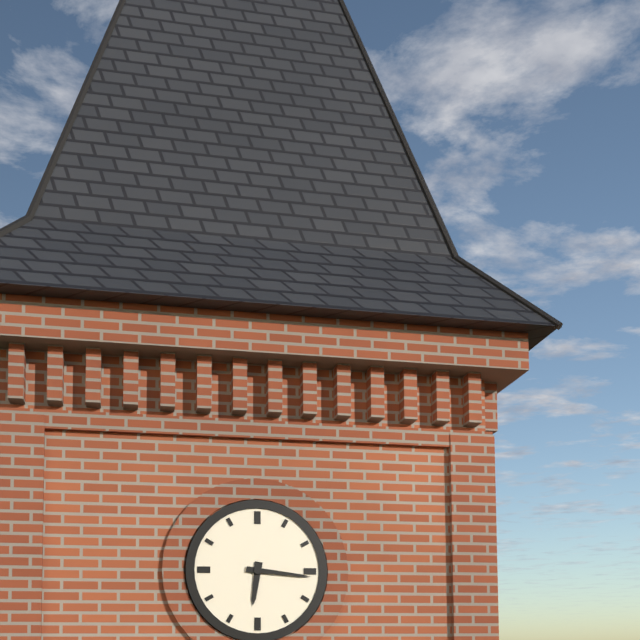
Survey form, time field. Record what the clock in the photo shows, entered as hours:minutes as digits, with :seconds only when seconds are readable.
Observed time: 6:16
